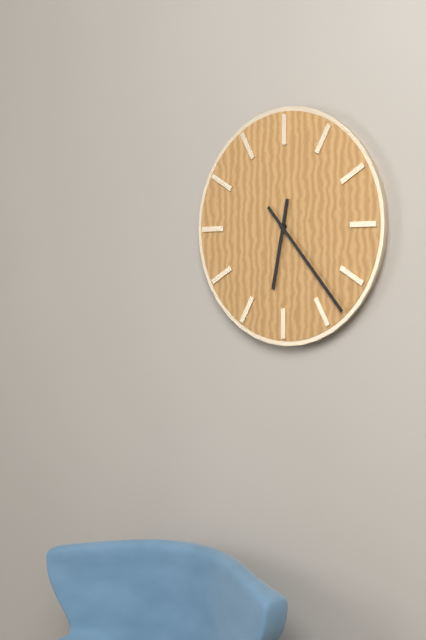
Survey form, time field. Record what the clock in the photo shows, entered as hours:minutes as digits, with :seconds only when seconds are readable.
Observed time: 6:23
